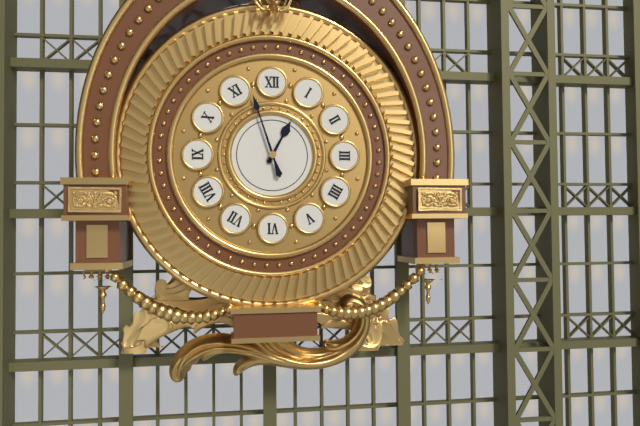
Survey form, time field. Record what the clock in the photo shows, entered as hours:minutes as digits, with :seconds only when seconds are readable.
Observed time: 12:57
